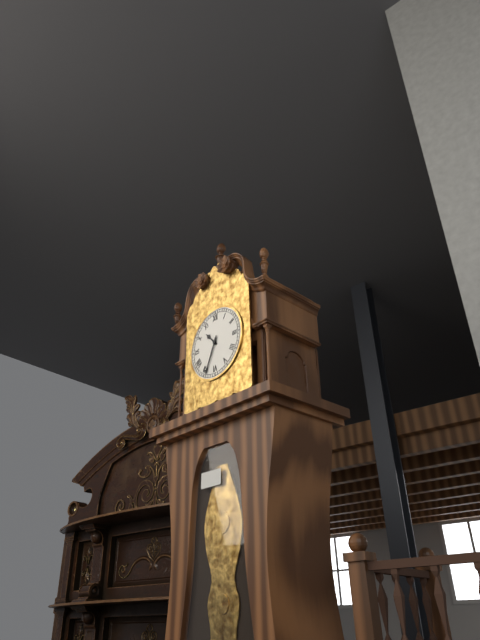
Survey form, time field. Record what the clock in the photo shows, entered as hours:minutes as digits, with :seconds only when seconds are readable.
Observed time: 10:34
